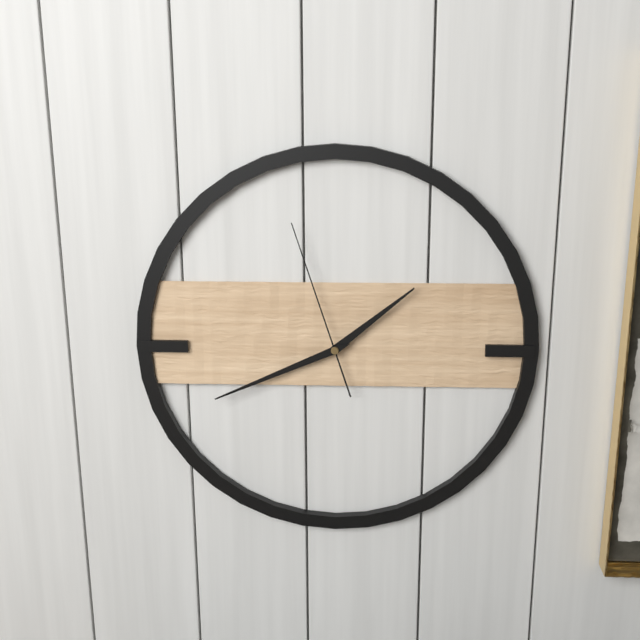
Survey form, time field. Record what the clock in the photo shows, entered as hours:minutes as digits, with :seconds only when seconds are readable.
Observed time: 1:41:57
